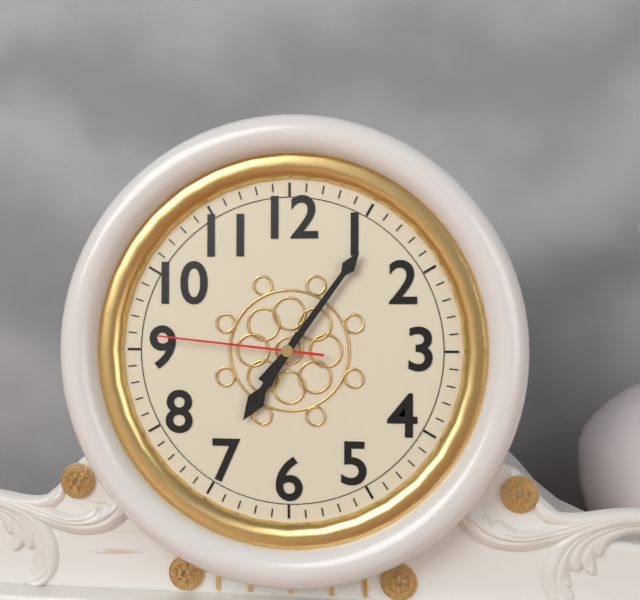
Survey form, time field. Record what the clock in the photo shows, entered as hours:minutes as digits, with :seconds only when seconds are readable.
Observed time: 7:06:46
